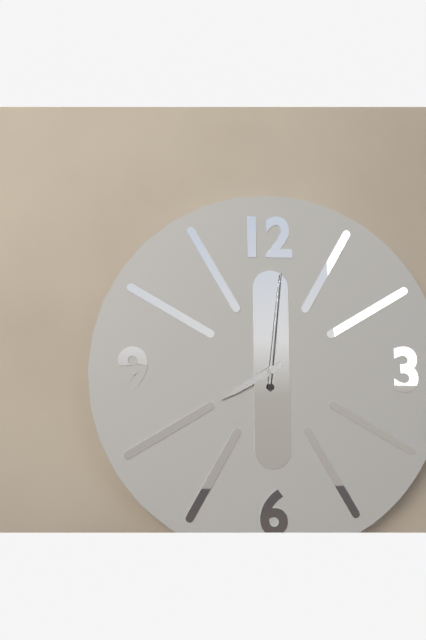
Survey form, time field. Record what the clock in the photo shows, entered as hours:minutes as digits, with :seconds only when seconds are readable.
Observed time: 8:01:01
